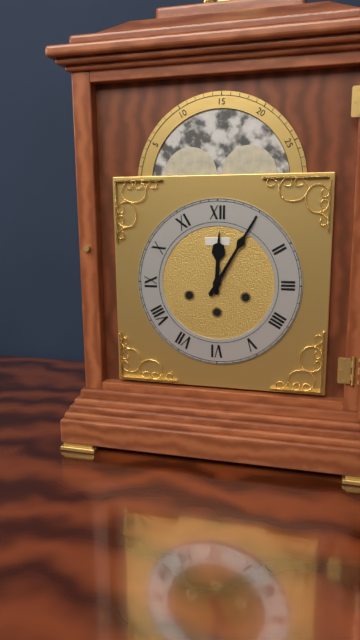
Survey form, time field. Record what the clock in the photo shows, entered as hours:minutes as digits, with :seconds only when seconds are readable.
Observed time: 12:05
